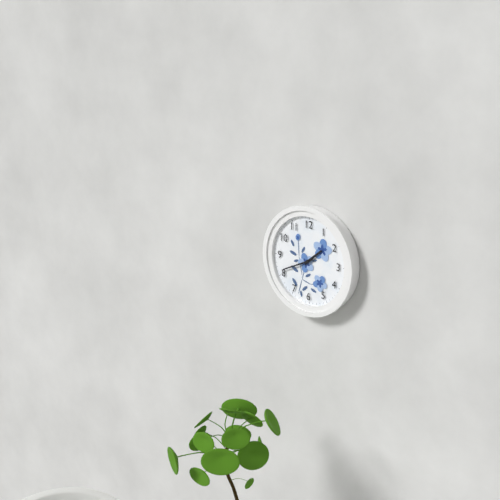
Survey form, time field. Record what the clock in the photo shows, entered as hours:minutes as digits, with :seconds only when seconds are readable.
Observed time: 1:41
